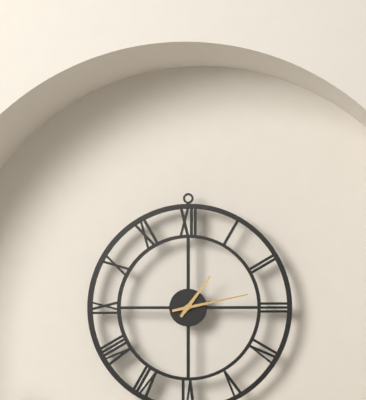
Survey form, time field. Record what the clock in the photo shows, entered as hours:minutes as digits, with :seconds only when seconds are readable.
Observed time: 1:13
